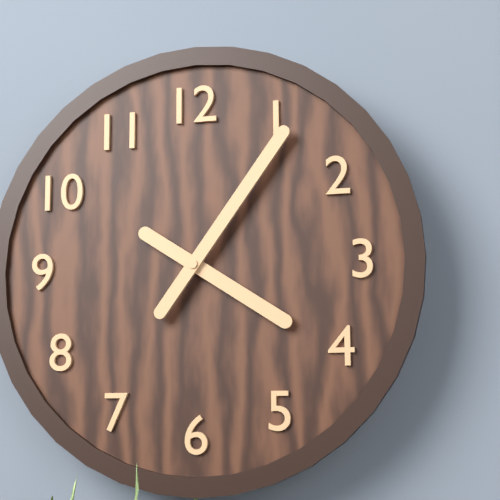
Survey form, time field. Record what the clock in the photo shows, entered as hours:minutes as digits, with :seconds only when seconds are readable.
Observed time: 4:06
